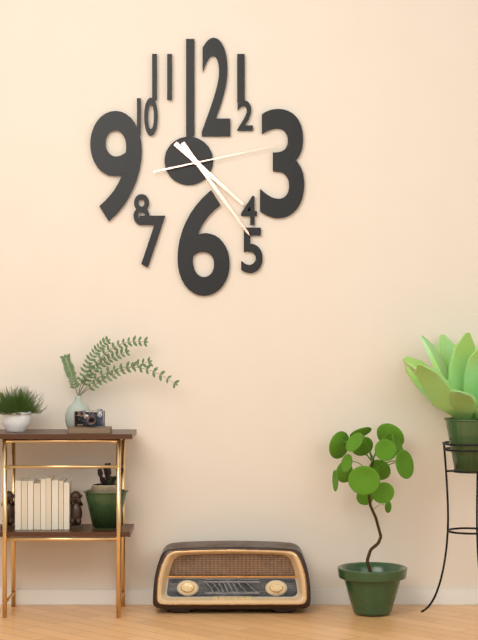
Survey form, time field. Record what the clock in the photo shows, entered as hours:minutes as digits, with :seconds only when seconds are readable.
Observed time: 4:24:13
